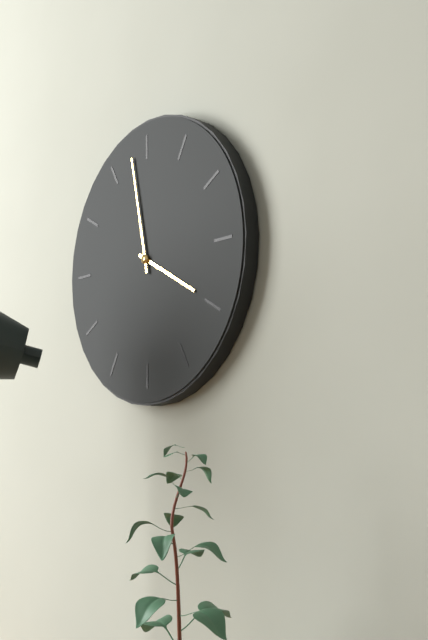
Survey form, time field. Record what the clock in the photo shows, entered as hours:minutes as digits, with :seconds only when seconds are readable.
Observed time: 3:58
